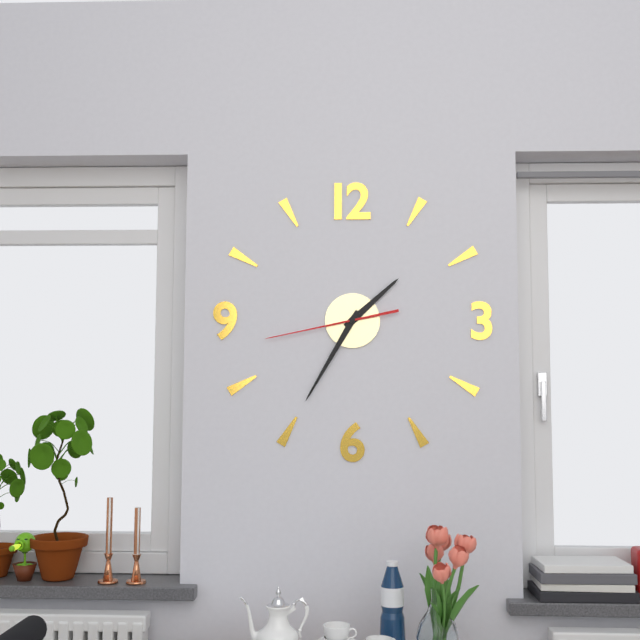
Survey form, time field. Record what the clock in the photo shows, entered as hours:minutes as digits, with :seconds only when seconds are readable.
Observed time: 1:35:43
